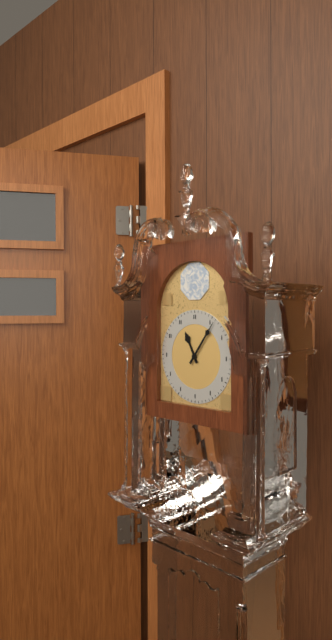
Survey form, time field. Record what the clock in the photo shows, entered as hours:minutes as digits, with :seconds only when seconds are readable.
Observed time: 11:06
